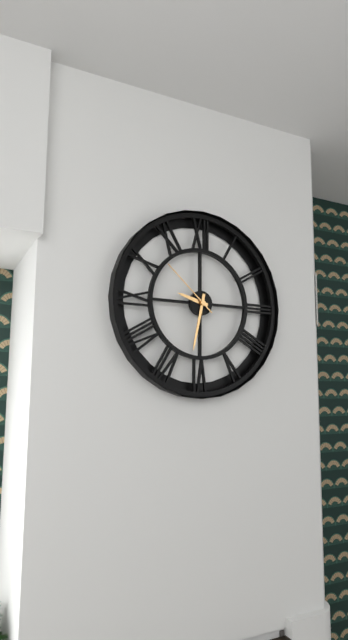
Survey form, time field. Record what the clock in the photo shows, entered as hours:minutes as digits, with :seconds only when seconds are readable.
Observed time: 9:32:52
